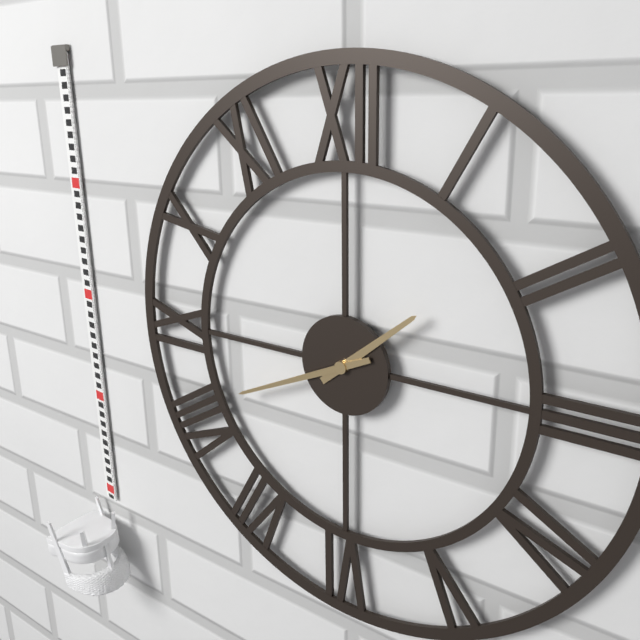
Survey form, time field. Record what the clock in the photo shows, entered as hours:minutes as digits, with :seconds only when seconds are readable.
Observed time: 1:41
